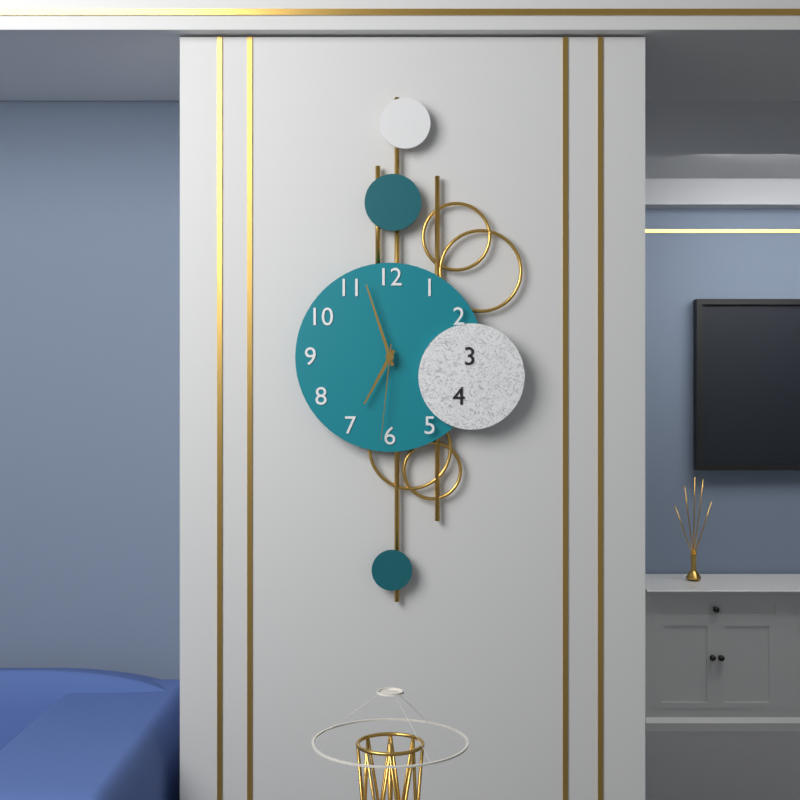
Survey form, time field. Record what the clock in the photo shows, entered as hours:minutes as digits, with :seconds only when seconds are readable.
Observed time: 6:57:31
